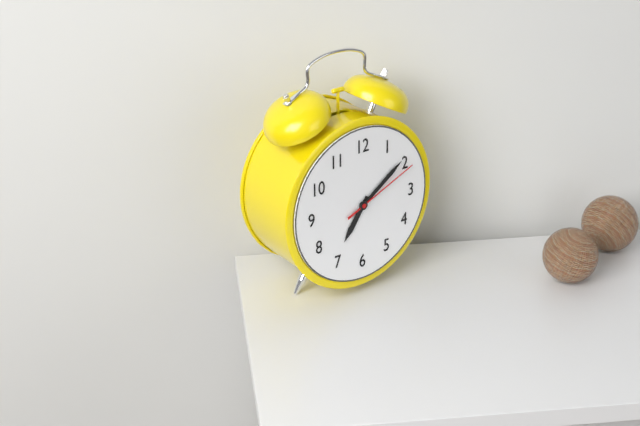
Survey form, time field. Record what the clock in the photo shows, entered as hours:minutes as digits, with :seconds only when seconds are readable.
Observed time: 7:09:11
